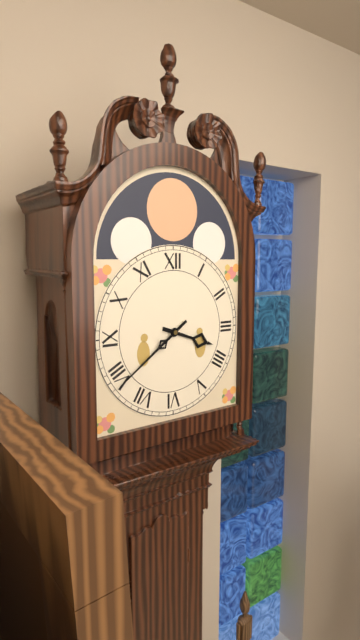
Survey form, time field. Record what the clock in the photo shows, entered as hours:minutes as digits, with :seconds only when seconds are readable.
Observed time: 3:39
